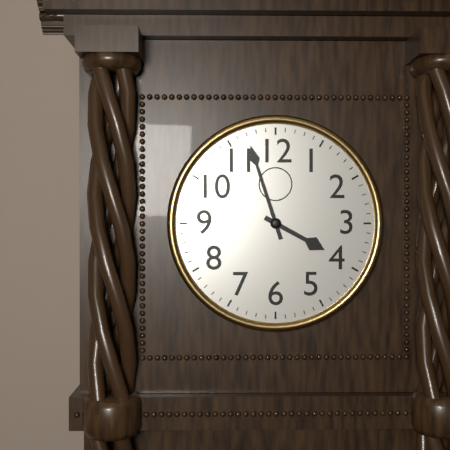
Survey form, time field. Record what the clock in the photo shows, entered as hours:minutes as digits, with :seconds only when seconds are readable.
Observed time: 3:57
